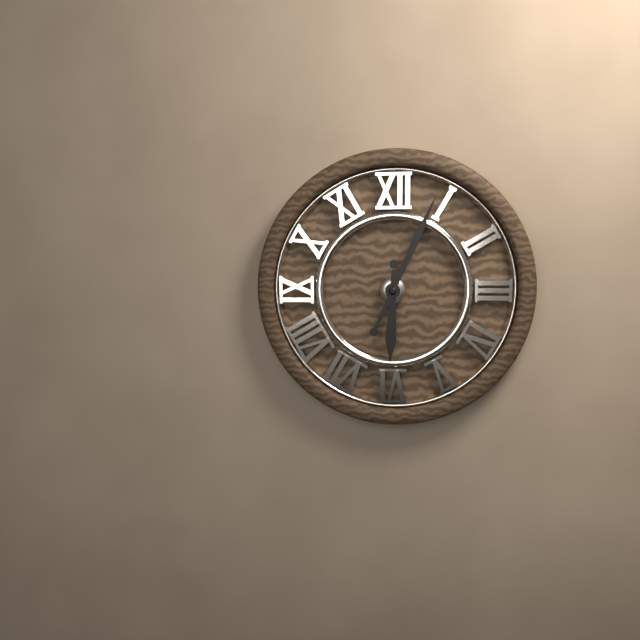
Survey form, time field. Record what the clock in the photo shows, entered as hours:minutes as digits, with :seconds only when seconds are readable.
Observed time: 6:04
